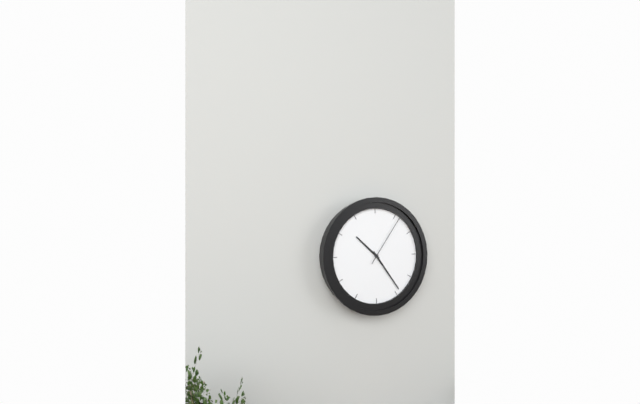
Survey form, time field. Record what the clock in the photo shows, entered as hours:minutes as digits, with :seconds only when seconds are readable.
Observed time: 10:24:06
